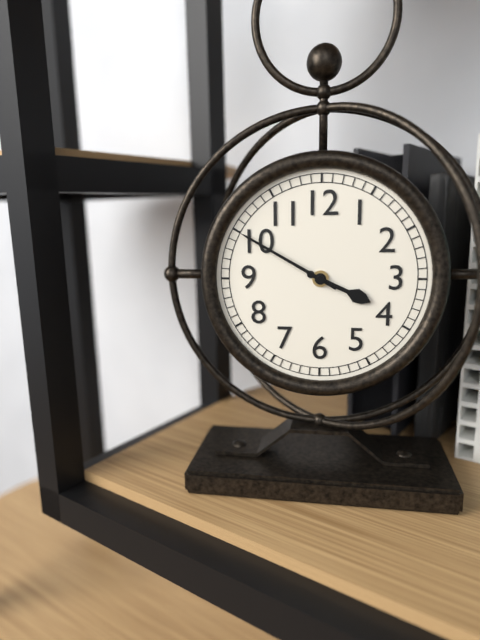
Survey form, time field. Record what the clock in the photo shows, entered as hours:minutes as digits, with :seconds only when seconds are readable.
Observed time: 3:50
